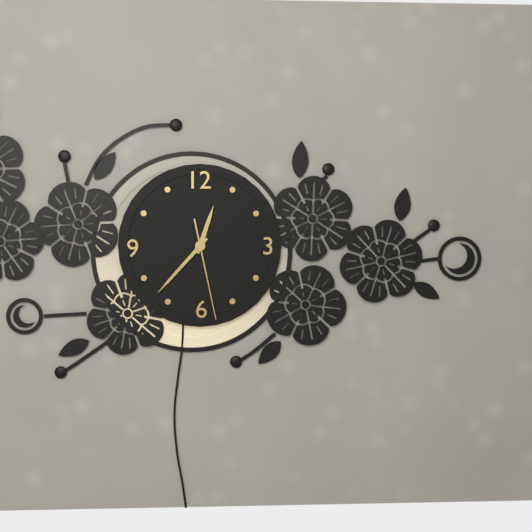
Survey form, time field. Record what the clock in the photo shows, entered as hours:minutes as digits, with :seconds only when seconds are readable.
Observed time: 12:37:28
